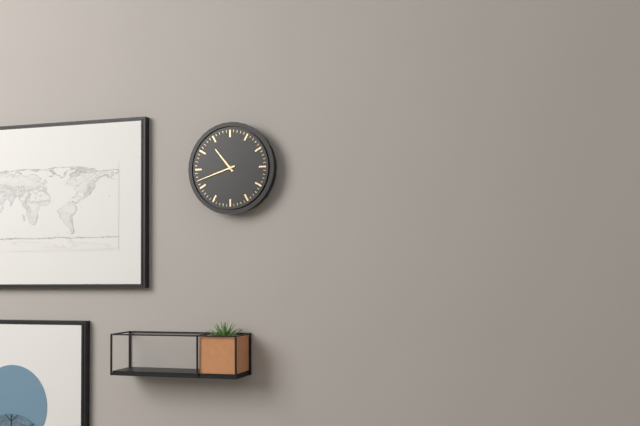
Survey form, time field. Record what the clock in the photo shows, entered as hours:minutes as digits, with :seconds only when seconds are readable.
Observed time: 10:42
